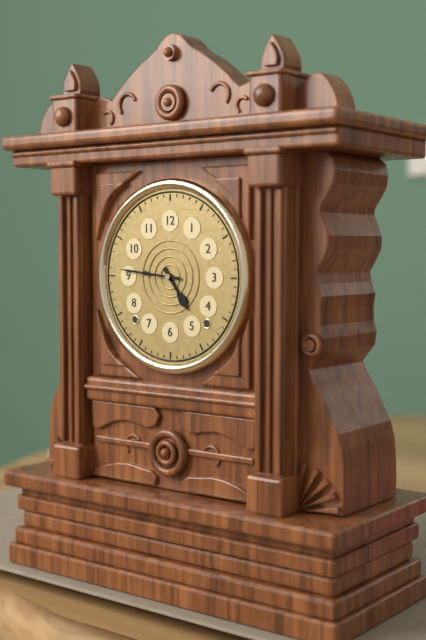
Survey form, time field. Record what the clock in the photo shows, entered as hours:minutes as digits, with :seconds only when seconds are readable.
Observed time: 4:46
